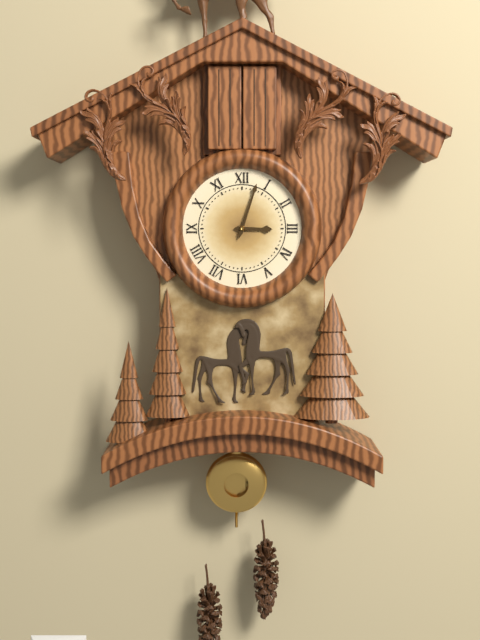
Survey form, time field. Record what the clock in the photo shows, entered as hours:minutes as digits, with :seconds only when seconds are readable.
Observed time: 3:03
